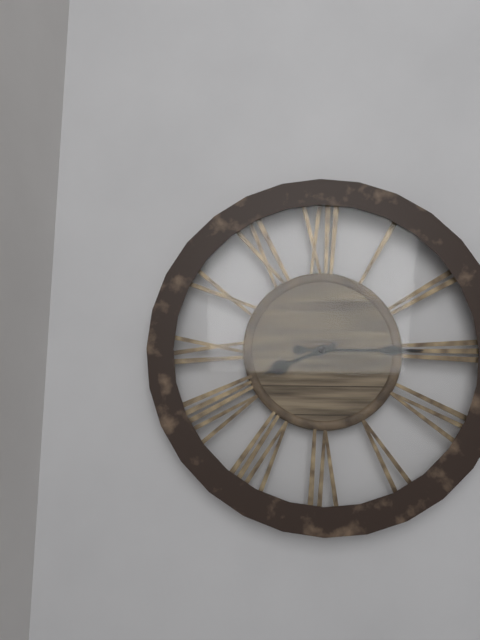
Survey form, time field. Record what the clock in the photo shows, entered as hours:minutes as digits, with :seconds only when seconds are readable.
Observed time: 8:15
